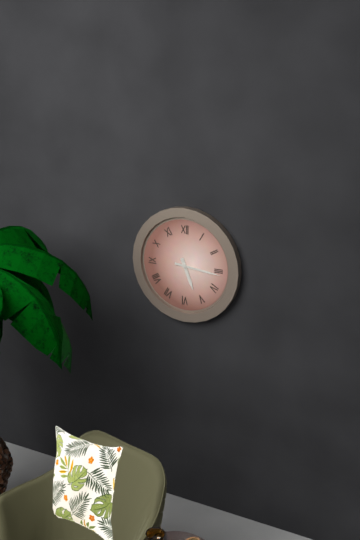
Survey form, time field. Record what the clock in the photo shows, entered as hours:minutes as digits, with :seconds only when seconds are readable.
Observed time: 5:16
